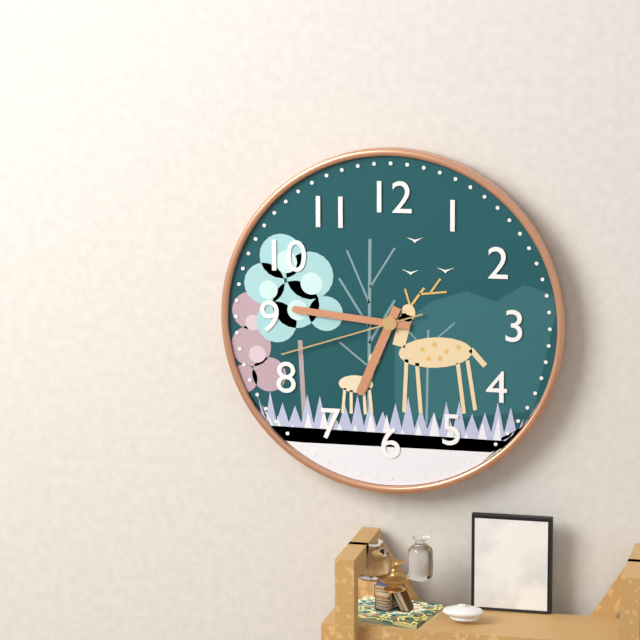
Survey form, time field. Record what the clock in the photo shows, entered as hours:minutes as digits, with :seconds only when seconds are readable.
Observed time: 6:46:42
